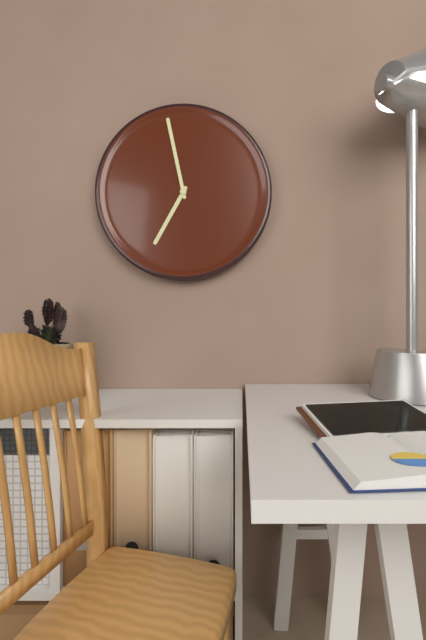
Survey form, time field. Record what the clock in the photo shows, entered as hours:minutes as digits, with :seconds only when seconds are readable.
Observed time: 6:58
